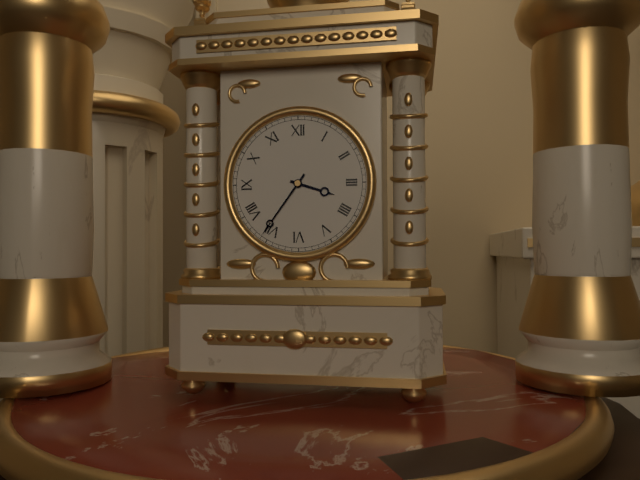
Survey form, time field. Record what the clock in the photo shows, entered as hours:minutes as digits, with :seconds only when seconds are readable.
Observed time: 3:36
